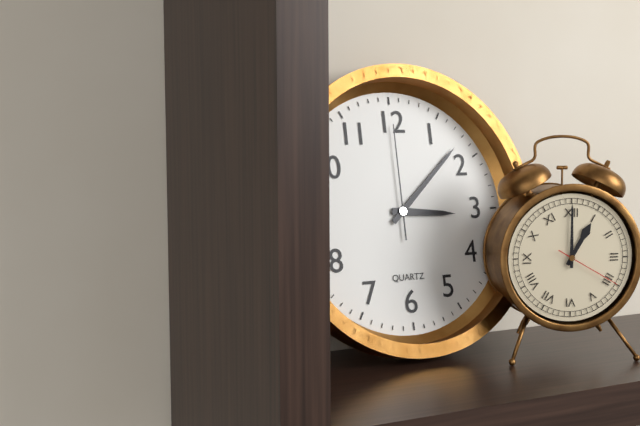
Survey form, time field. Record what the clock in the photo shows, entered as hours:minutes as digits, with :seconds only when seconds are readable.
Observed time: 3:08:00
